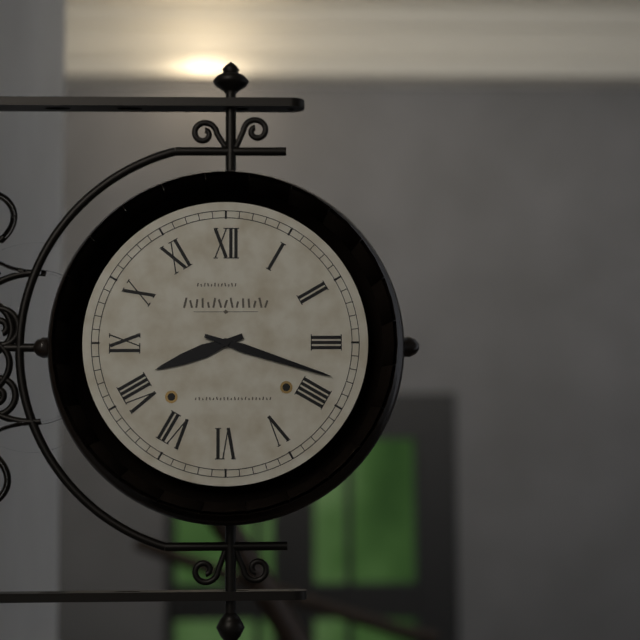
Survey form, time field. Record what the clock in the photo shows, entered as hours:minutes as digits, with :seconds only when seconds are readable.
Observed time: 8:18
